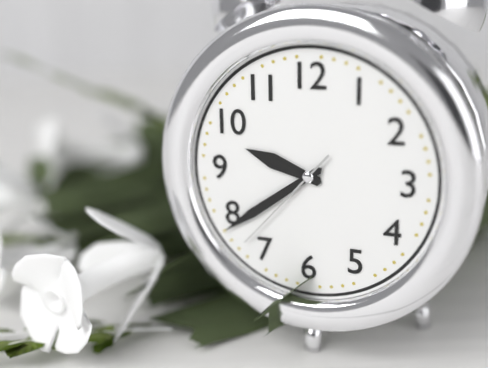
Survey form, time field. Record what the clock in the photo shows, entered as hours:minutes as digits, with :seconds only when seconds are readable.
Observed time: 9:39:37
